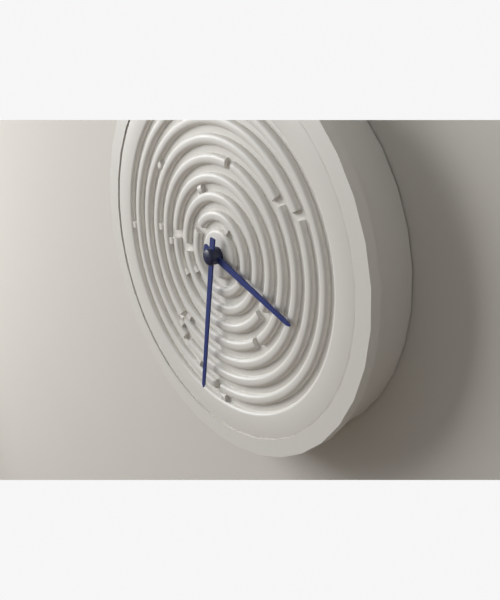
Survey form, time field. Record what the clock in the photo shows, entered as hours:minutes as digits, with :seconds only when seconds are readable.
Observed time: 3:31
